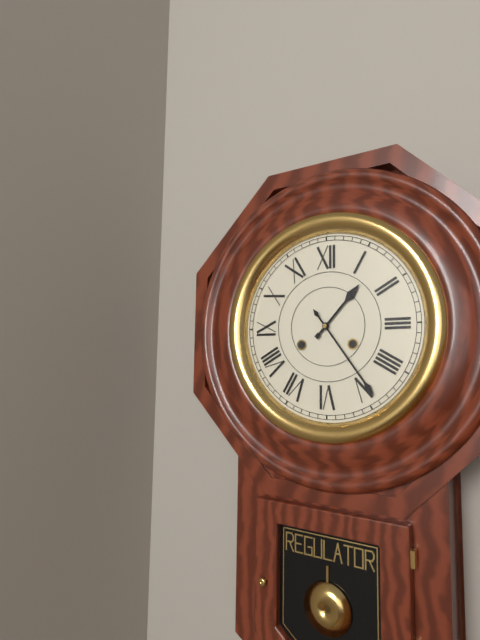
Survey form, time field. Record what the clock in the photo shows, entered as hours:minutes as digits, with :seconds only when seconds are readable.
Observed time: 1:24
